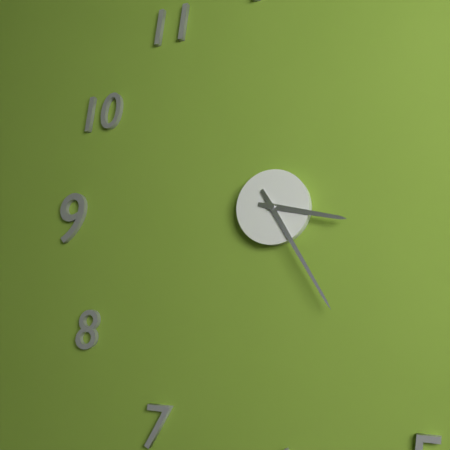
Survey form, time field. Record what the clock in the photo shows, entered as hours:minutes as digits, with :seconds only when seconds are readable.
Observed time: 3:25
